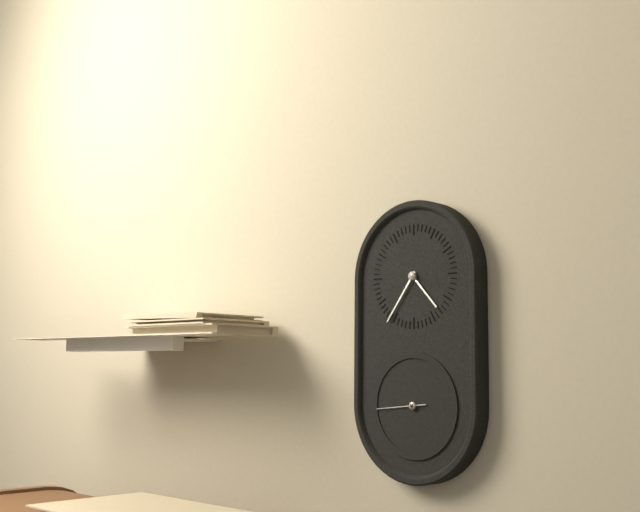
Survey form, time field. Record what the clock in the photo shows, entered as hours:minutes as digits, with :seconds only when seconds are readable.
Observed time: 4:36
